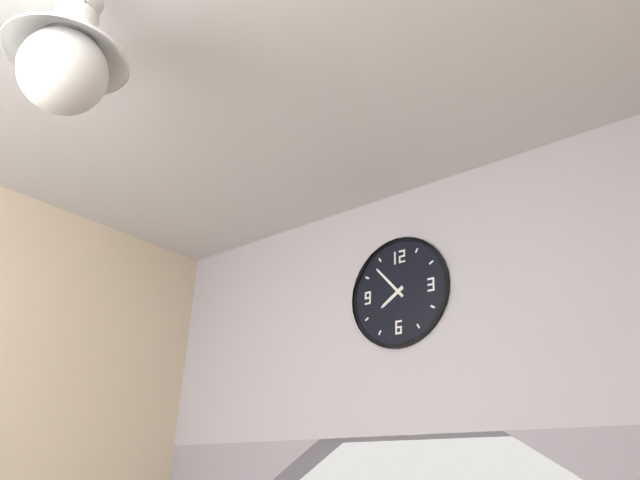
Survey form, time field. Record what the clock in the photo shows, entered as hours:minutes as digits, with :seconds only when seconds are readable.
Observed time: 7:53
